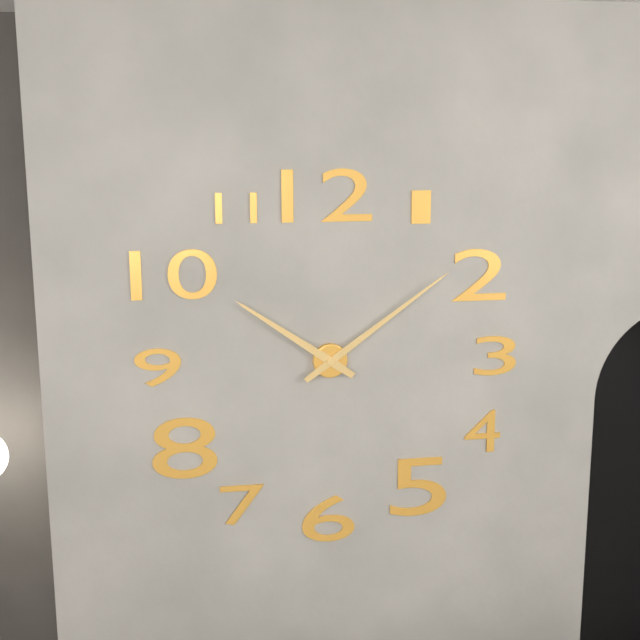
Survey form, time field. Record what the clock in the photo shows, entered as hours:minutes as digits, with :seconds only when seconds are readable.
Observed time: 10:09
